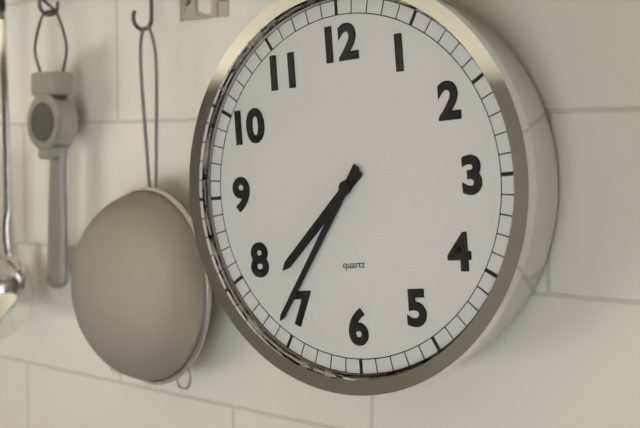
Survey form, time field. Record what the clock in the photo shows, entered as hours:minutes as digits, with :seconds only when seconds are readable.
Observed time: 7:36
